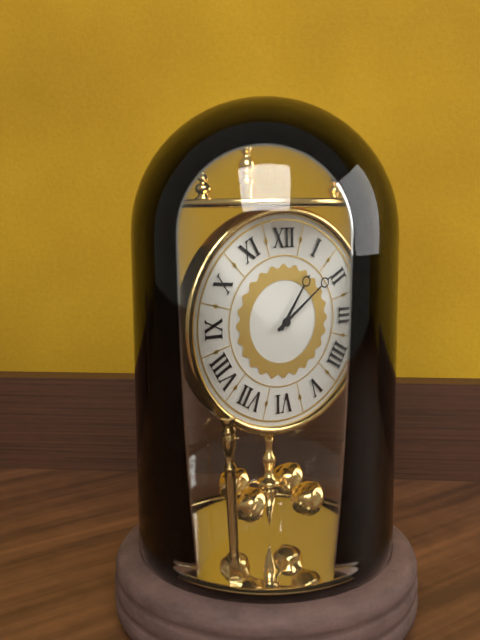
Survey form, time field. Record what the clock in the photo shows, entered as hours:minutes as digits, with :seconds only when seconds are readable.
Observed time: 1:09
